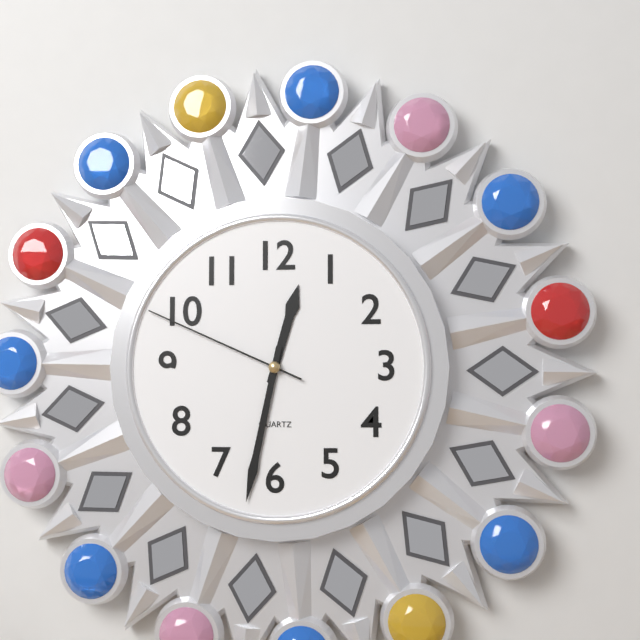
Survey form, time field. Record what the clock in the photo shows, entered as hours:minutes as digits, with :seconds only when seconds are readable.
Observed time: 12:32:49
